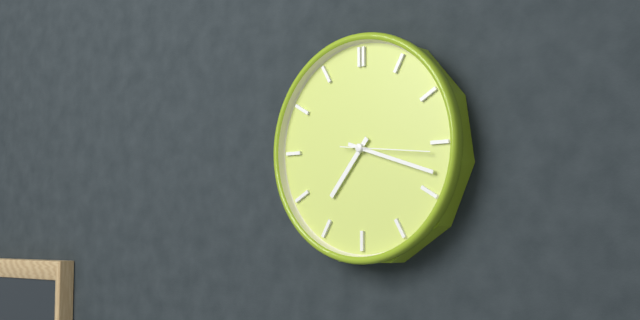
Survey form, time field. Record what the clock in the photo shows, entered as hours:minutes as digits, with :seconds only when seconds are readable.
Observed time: 7:18:16
